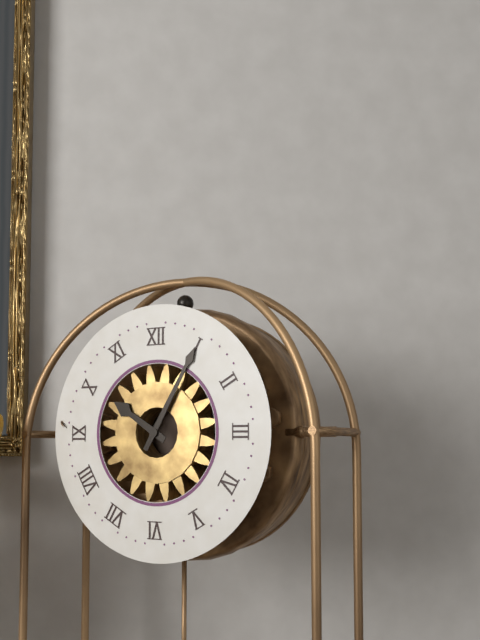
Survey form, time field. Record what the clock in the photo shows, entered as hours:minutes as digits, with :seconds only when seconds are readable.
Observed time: 10:05
